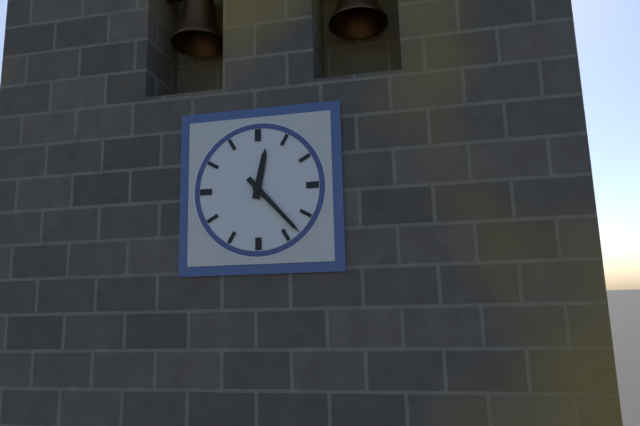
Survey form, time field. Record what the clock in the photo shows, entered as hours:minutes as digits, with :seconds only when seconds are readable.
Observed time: 12:23
